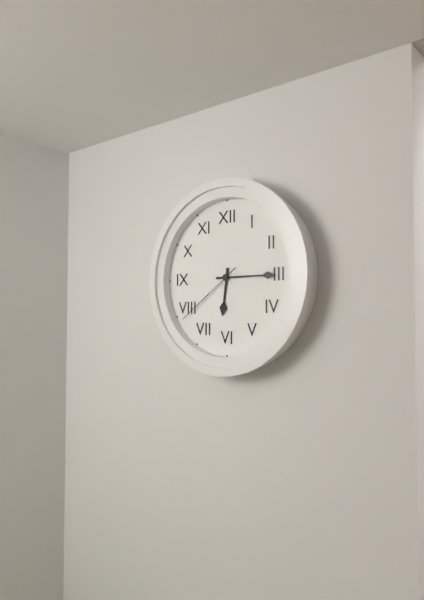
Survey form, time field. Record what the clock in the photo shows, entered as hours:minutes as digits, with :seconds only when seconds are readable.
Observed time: 6:15:39
